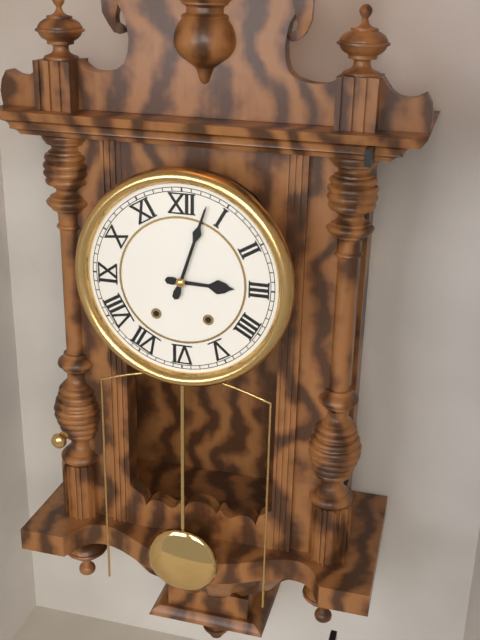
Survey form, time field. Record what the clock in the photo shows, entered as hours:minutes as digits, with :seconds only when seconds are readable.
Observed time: 3:03
